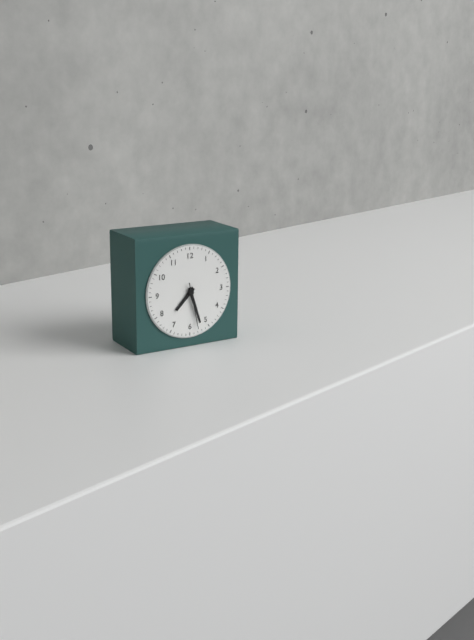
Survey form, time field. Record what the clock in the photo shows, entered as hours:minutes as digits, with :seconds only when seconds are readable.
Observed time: 7:27
